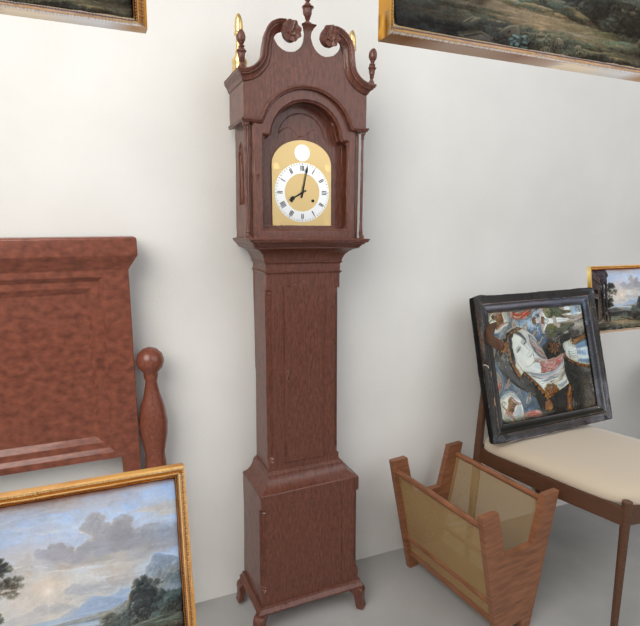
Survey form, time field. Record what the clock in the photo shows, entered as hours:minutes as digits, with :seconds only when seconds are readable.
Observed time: 8:02
